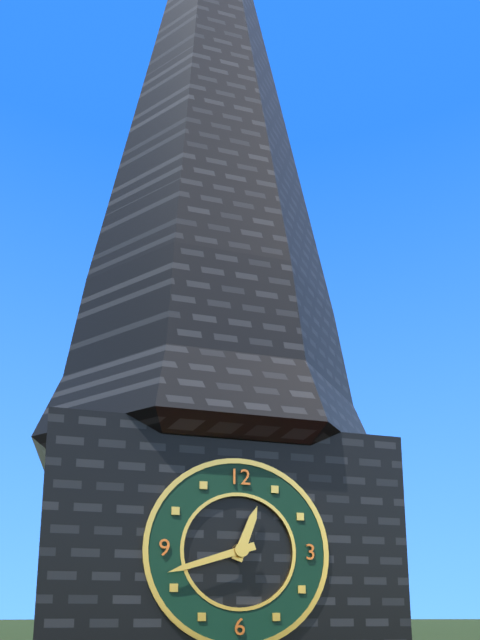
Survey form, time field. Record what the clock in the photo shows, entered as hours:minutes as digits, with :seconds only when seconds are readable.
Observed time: 12:42
